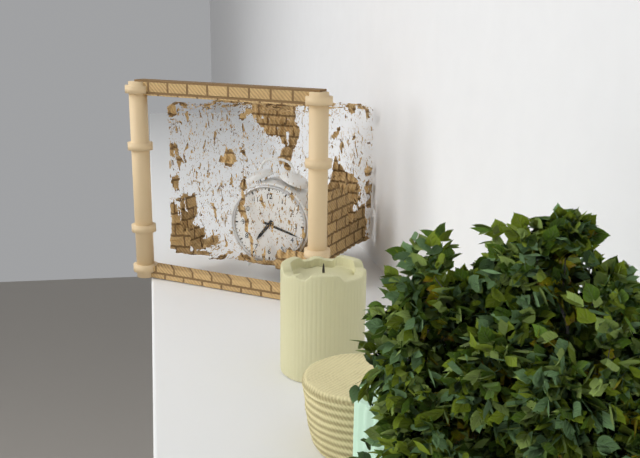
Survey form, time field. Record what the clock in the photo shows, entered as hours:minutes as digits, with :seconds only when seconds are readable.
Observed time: 7:18
